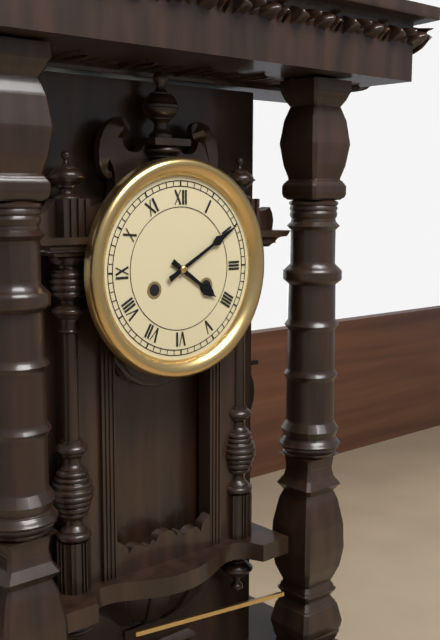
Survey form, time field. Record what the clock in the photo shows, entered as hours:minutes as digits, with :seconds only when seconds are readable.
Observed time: 4:10
